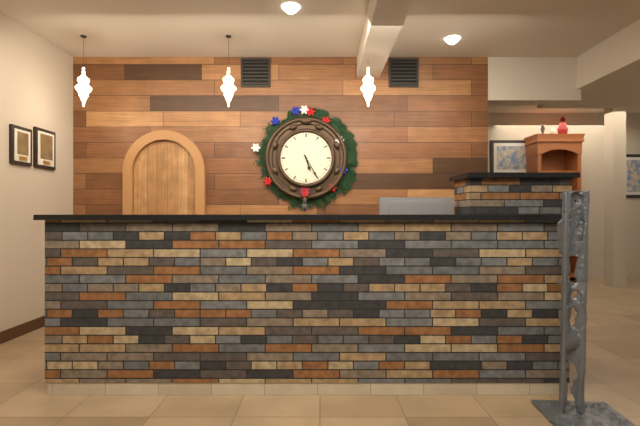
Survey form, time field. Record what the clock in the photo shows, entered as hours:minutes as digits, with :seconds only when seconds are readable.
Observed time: 5:25
